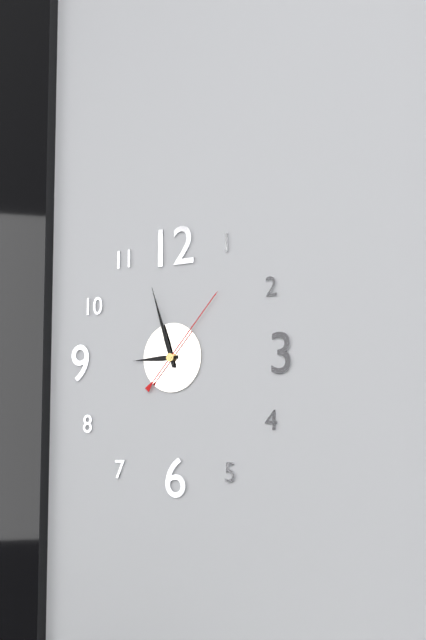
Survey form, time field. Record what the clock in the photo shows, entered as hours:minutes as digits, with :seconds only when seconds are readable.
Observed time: 8:57:07
